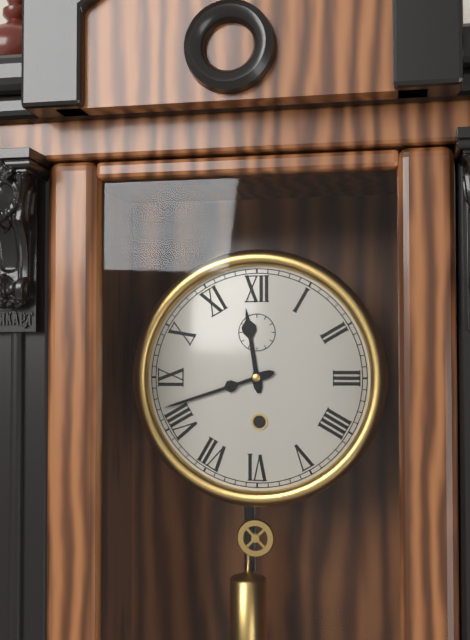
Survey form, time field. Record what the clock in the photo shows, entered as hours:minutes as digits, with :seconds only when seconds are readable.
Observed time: 11:42
